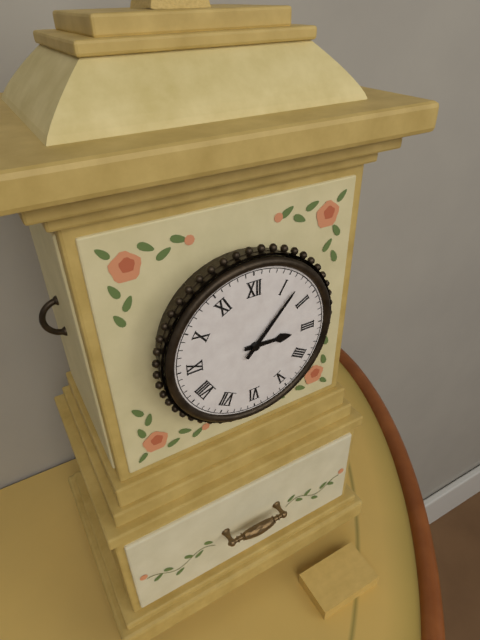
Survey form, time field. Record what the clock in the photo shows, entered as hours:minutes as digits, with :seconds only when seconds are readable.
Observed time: 3:07
